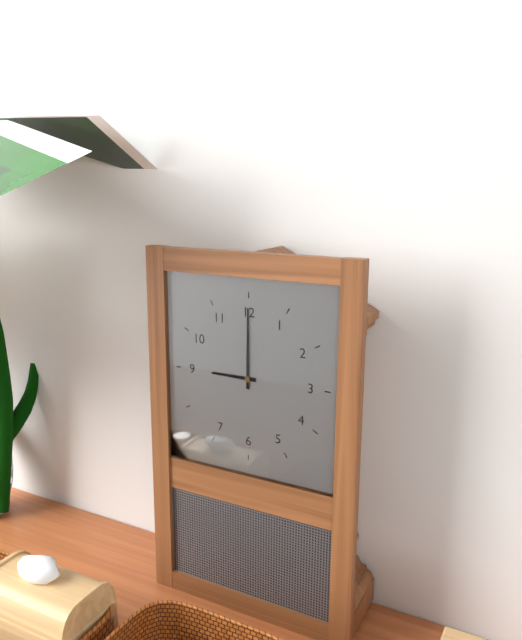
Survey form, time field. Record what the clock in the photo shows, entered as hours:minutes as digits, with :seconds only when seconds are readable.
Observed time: 9:00
